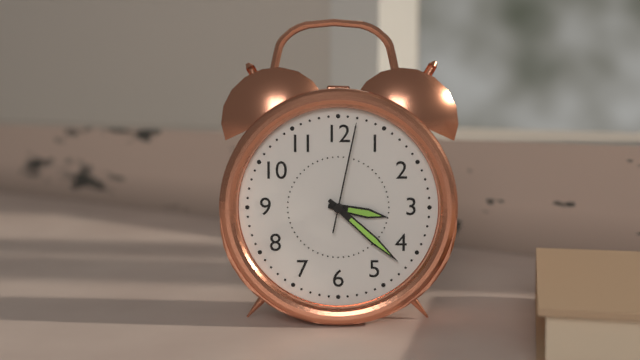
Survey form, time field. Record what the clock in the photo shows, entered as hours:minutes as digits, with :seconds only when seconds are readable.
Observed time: 3:22:02
